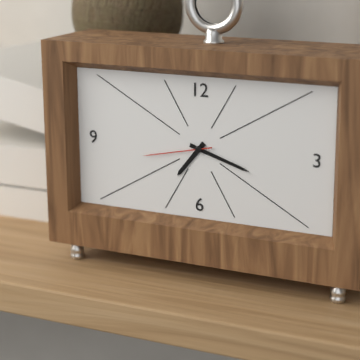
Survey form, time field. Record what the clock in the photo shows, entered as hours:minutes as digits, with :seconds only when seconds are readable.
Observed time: 7:18:43
